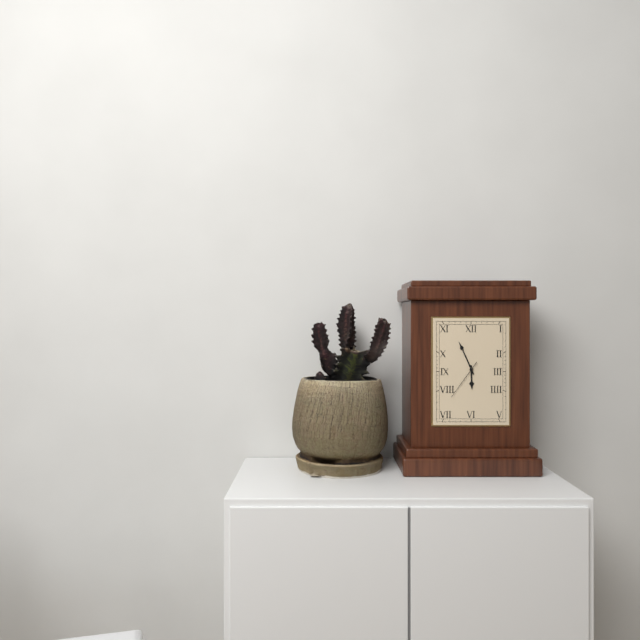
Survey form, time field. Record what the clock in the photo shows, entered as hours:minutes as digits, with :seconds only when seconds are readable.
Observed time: 5:56
